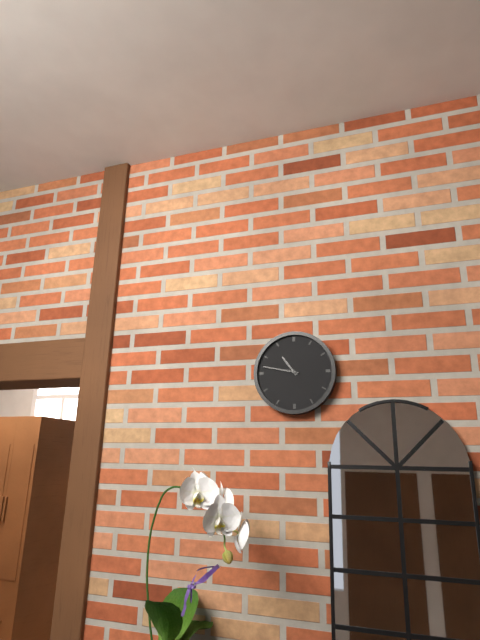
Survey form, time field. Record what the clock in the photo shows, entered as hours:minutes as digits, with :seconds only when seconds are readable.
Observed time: 10:47
